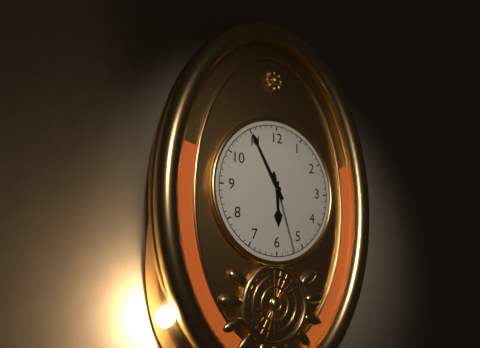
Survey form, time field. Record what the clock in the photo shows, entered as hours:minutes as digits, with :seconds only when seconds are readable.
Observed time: 5:55:27
